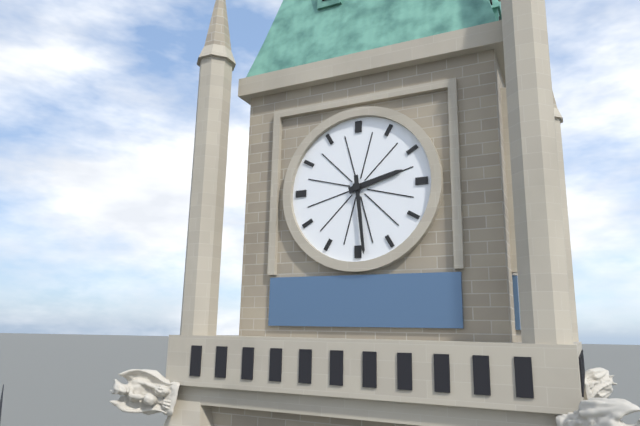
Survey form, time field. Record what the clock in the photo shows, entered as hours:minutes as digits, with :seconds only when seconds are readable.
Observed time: 2:29
